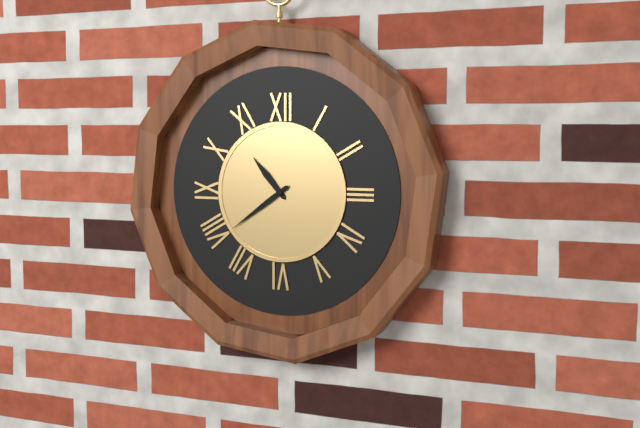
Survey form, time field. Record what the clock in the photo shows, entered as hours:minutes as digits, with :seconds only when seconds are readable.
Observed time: 10:39
